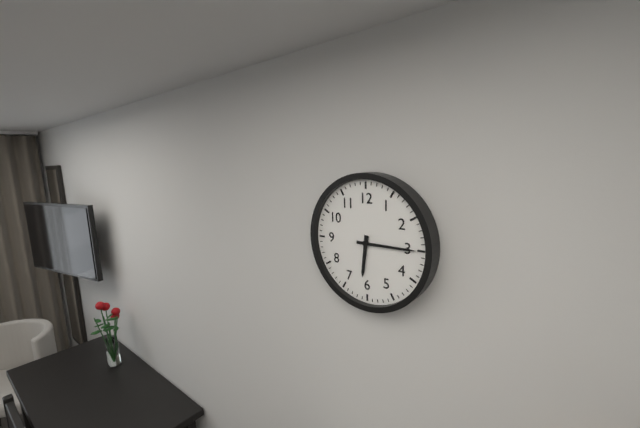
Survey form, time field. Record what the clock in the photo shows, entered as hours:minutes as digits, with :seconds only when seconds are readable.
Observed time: 6:15
